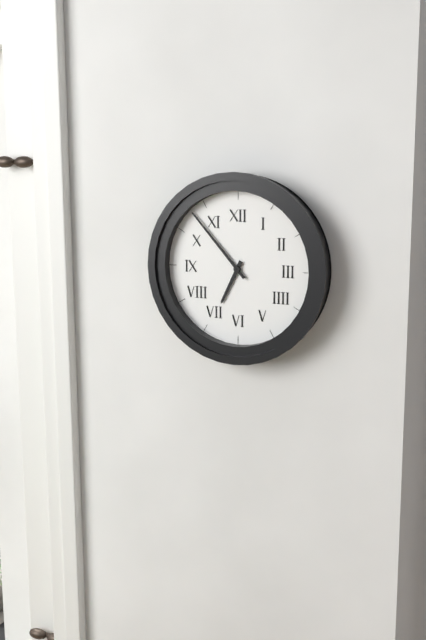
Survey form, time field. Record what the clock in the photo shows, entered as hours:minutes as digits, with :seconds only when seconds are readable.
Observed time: 6:53
